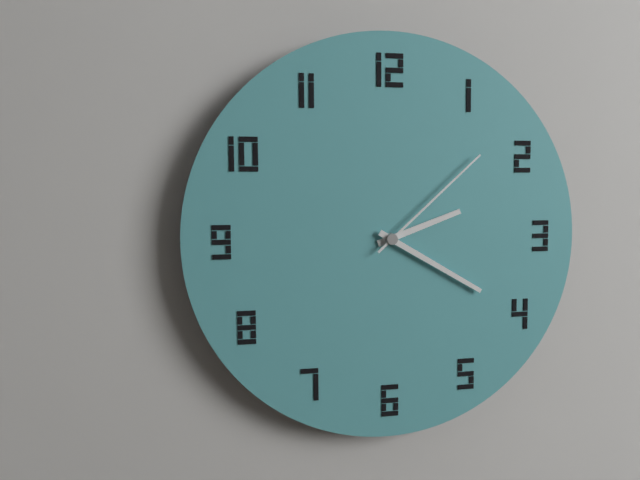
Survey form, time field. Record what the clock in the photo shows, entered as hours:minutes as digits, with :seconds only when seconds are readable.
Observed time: 2:20:08
